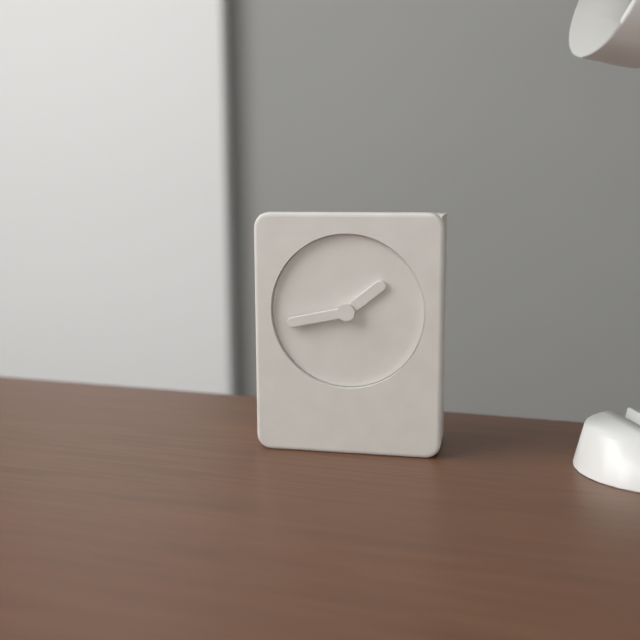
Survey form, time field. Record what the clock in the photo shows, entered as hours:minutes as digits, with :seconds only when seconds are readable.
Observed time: 1:43
